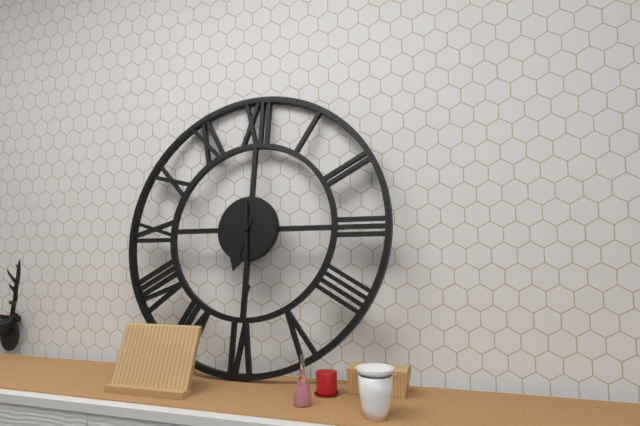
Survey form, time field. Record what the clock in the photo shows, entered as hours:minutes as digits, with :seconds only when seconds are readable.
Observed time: 6:29
